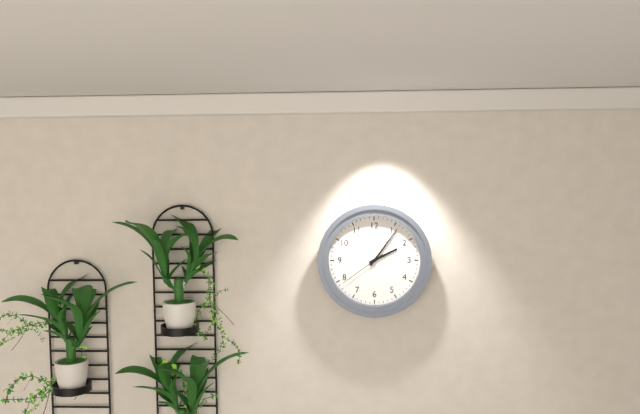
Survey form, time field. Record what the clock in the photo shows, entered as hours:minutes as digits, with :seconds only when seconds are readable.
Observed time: 2:06:39
